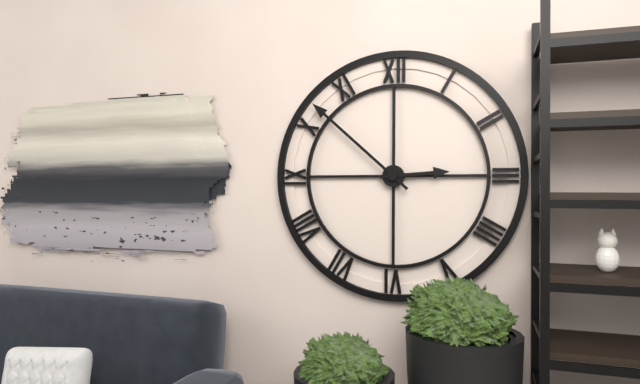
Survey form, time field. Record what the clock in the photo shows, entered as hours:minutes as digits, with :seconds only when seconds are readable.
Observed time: 2:52
